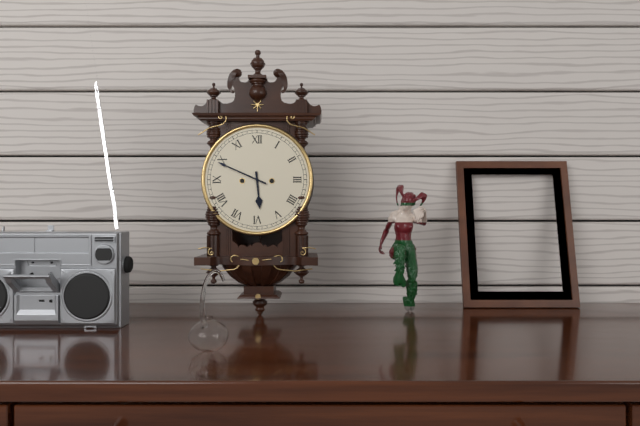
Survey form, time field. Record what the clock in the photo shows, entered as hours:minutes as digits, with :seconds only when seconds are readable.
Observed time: 5:49
